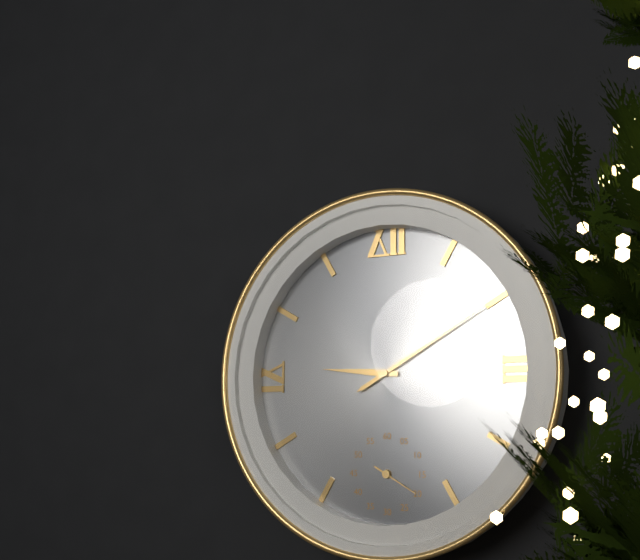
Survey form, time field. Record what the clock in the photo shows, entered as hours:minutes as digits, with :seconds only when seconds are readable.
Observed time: 9:10
